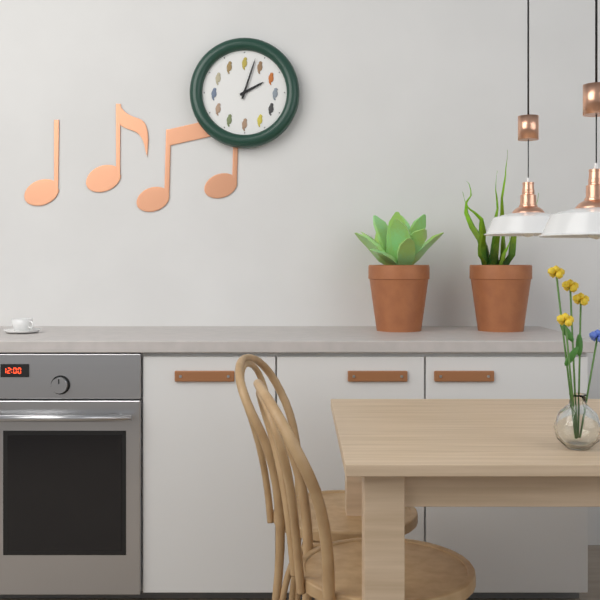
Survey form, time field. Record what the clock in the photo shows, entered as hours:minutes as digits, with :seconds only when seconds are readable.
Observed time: 2:03
